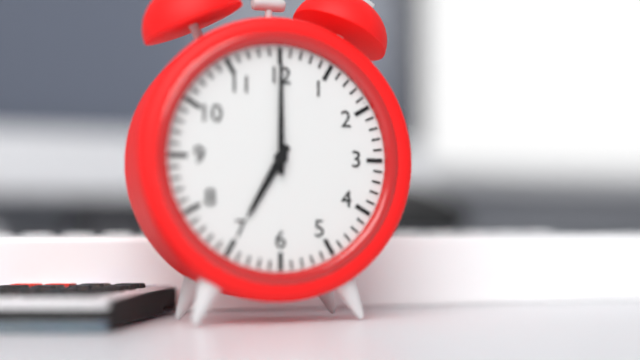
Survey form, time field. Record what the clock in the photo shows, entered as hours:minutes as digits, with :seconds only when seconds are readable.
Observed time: 7:00
